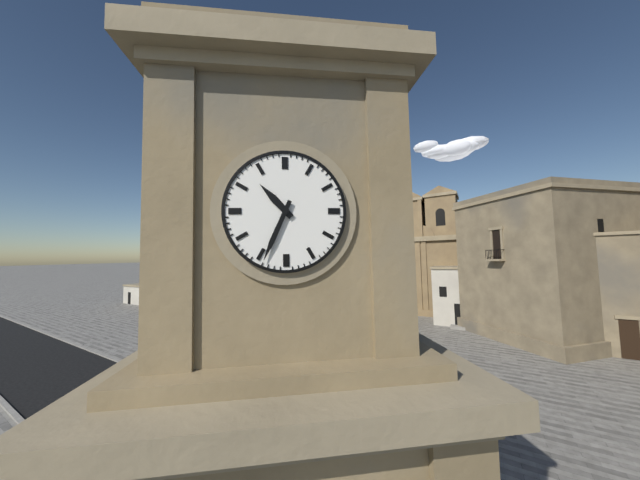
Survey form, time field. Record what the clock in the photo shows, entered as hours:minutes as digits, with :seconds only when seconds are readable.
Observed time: 10:34
